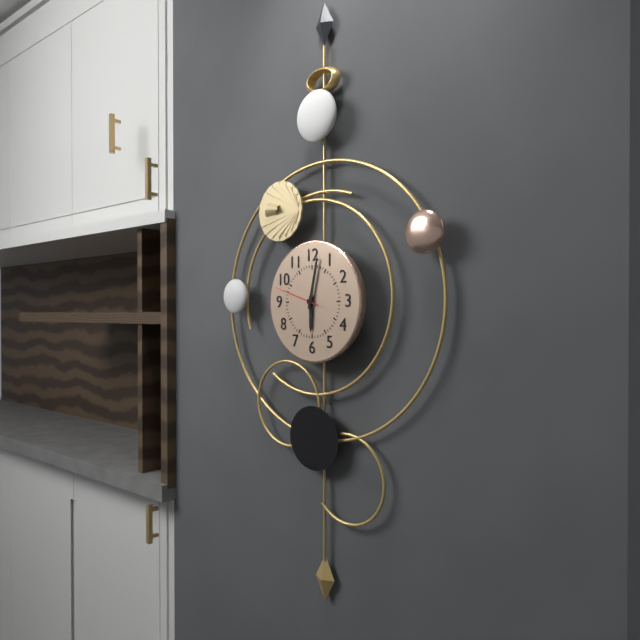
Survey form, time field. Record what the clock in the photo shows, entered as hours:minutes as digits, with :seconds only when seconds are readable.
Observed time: 6:02
